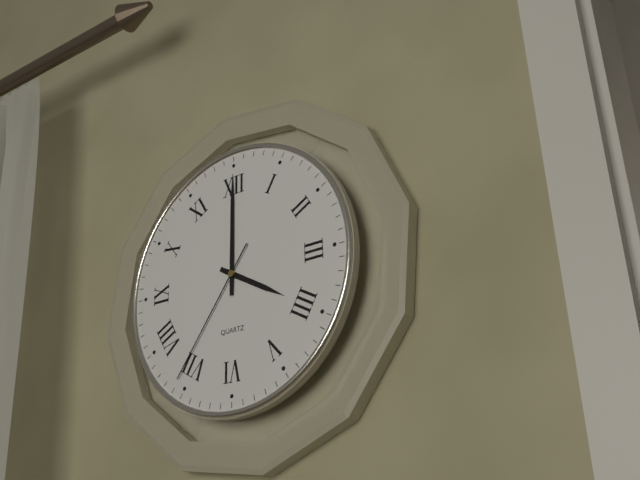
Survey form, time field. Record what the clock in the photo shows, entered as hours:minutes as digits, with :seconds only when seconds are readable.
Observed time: 4:00:36
